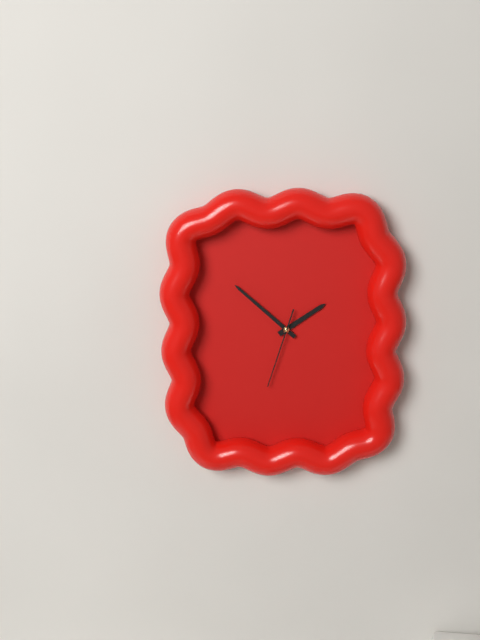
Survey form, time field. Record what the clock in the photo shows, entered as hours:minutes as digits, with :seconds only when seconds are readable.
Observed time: 1:52:33
